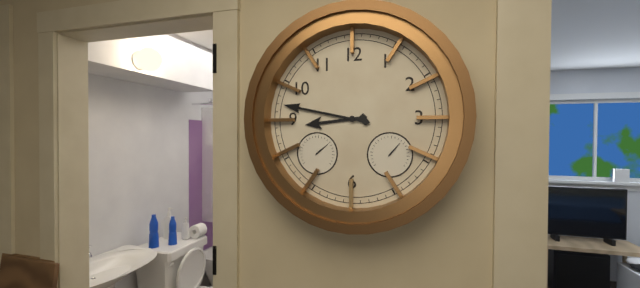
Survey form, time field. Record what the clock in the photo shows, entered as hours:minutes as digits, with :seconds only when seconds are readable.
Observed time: 8:47
